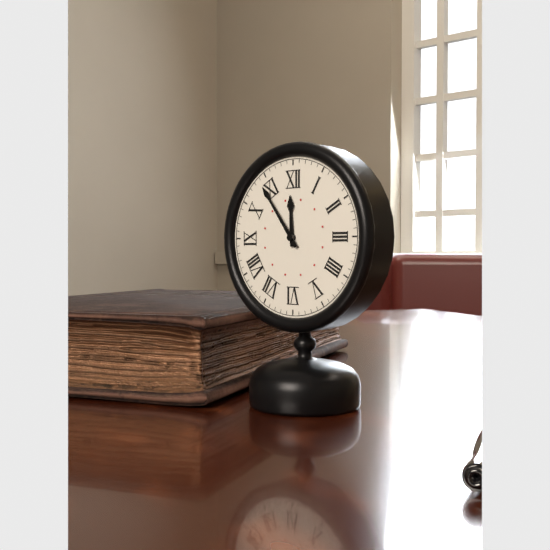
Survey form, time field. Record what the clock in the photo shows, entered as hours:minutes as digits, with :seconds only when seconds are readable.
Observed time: 11:54
